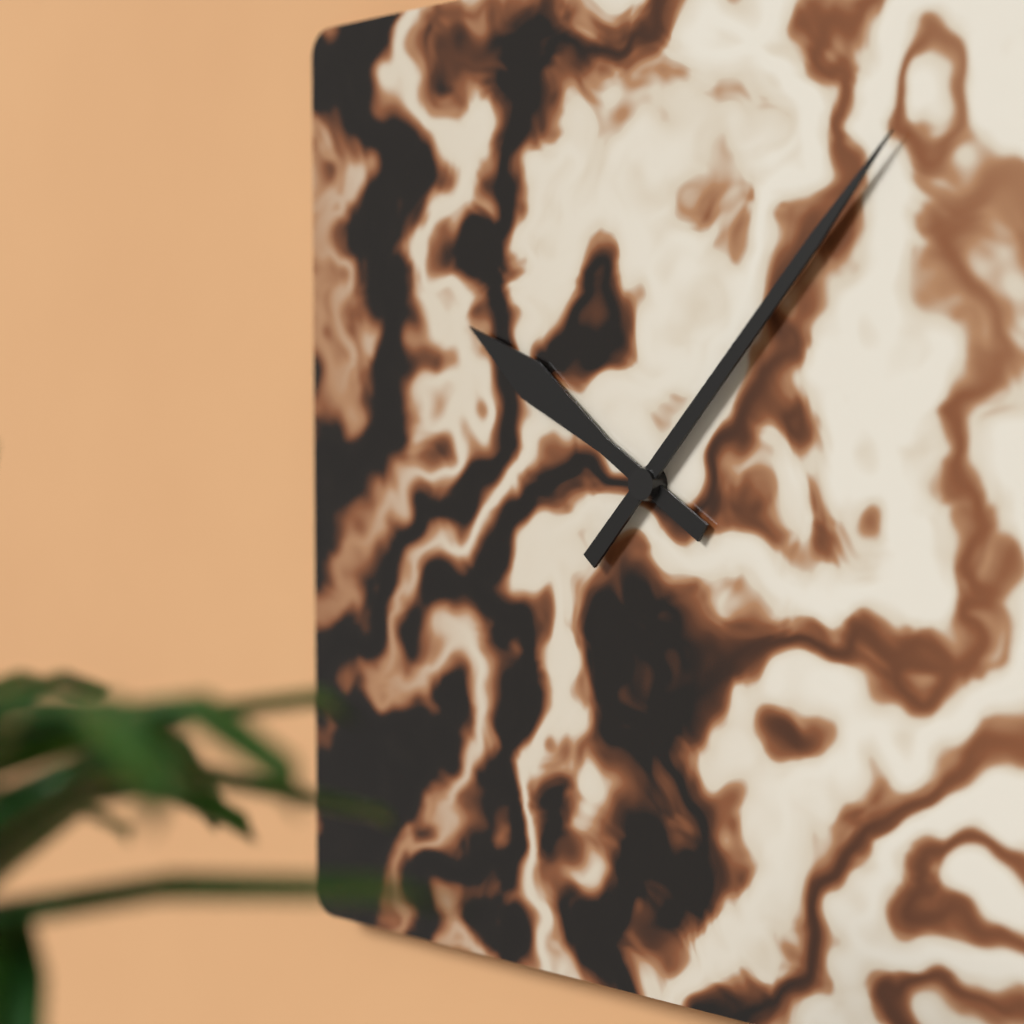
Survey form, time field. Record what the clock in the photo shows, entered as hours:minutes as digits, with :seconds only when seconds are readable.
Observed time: 10:07
